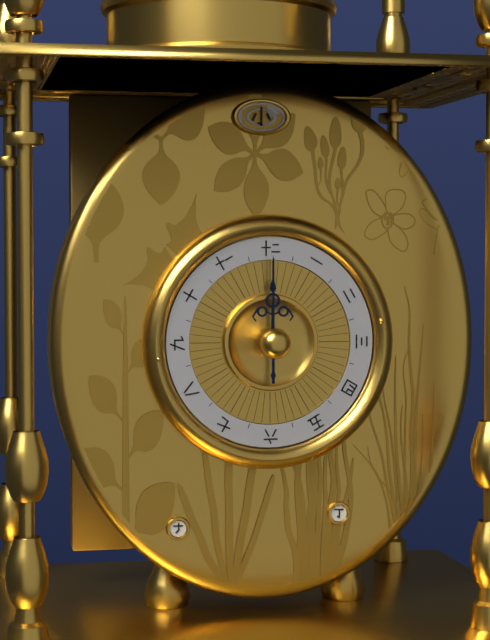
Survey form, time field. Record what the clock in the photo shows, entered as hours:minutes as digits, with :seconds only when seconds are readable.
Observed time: 12:00
